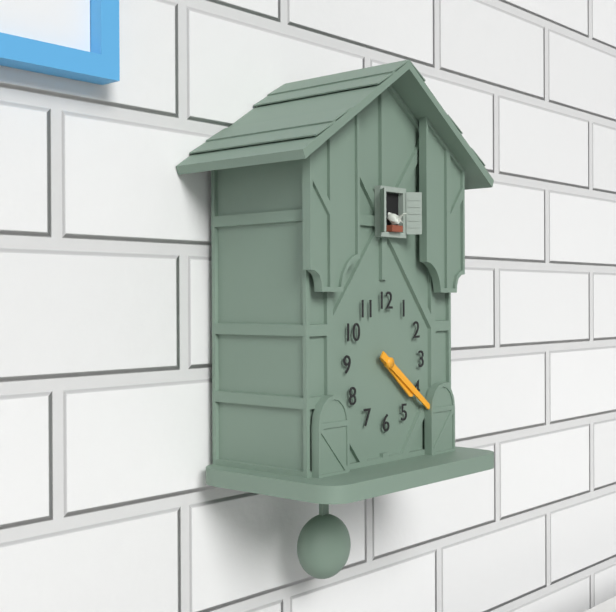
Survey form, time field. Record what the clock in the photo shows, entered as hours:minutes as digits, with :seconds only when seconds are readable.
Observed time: 4:21
